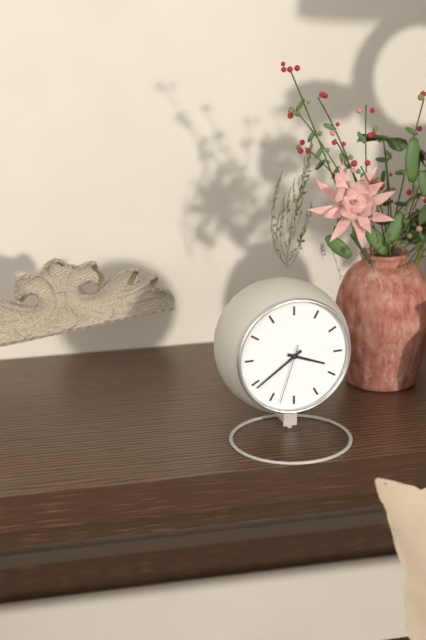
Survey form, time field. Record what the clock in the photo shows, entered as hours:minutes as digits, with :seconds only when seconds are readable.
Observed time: 3:39:33
